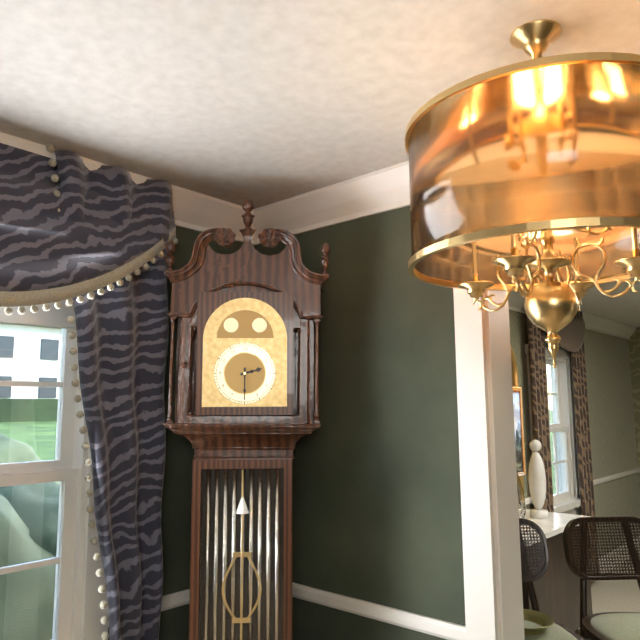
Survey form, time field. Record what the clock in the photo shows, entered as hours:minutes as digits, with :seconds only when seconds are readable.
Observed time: 2:30
